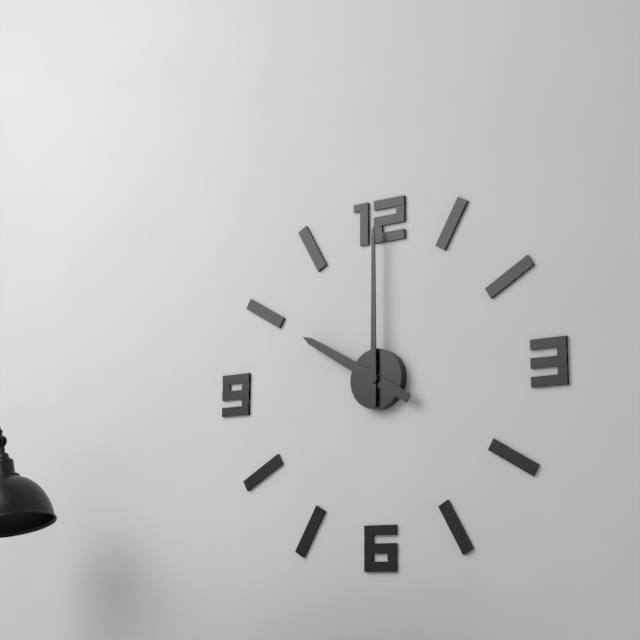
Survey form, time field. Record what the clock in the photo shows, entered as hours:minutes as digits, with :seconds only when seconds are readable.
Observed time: 10:00
